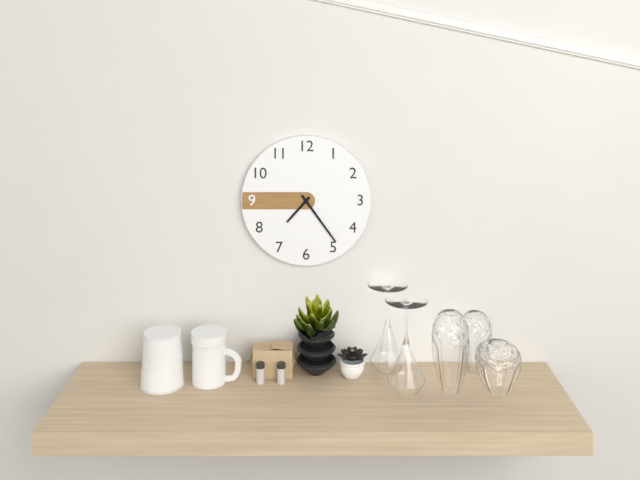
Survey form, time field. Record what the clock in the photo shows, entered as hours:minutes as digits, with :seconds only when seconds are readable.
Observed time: 7:24
